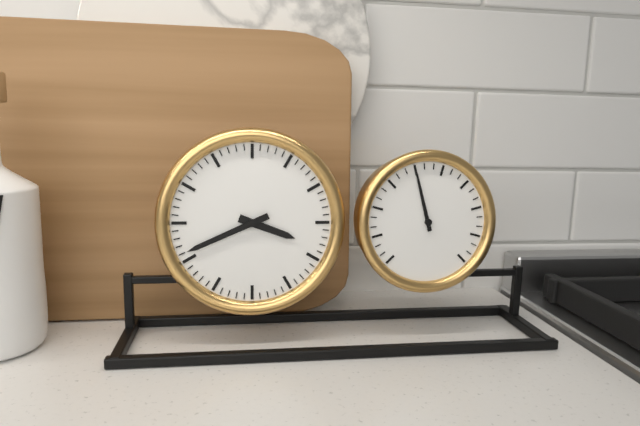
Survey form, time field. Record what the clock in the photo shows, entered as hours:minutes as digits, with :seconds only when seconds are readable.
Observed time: 3:41
